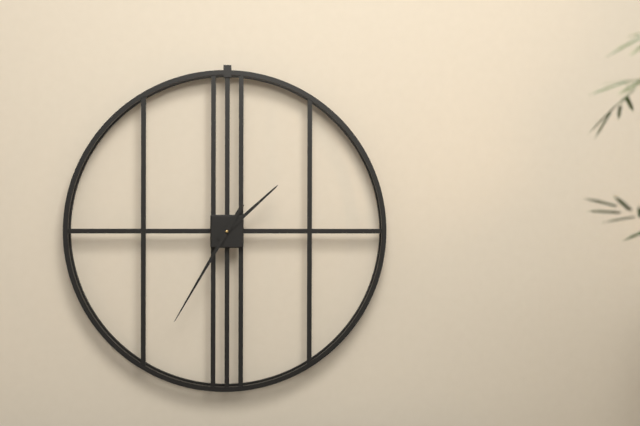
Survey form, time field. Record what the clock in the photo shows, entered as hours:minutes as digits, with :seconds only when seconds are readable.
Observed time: 1:35
